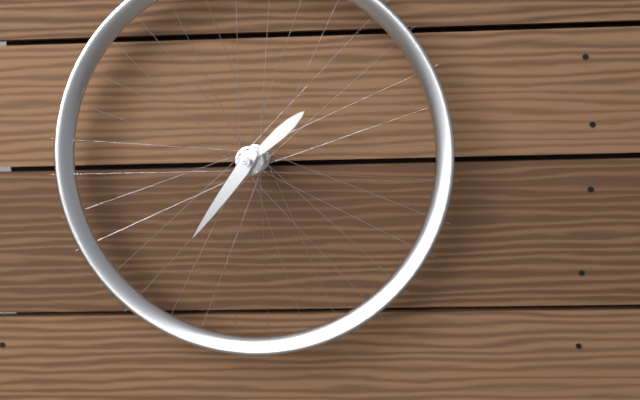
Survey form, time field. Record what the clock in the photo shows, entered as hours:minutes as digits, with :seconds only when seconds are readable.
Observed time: 1:36
